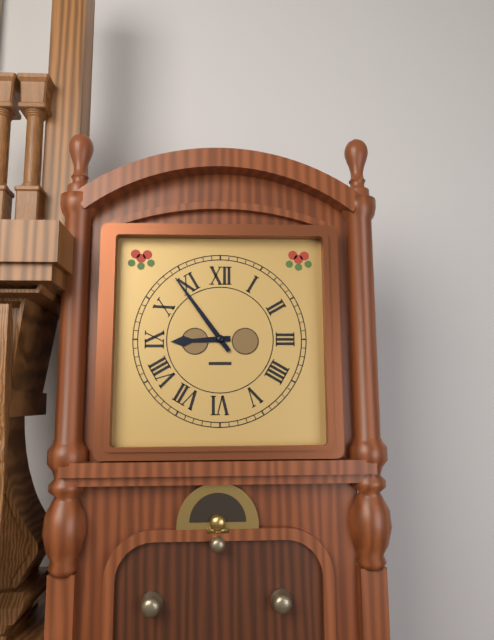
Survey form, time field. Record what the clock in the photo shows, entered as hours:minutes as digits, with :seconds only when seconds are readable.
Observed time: 8:54
